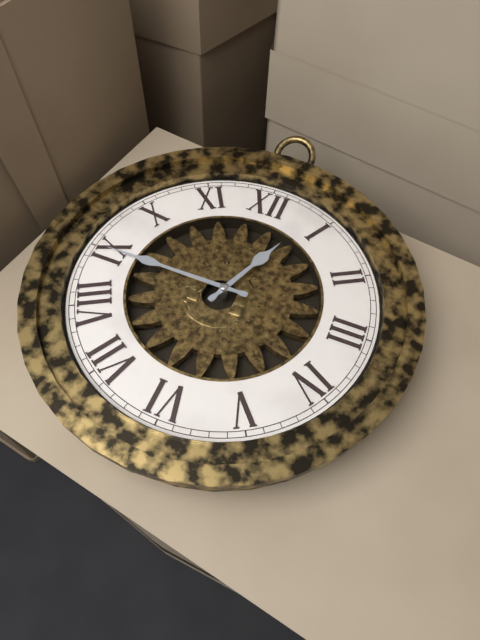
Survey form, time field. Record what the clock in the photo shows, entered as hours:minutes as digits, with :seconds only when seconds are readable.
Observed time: 12:45
